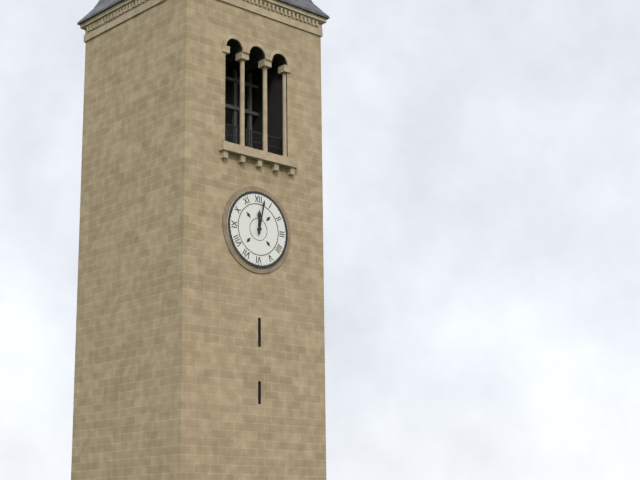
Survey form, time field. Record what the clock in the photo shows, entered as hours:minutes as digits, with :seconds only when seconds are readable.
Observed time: 12:02
